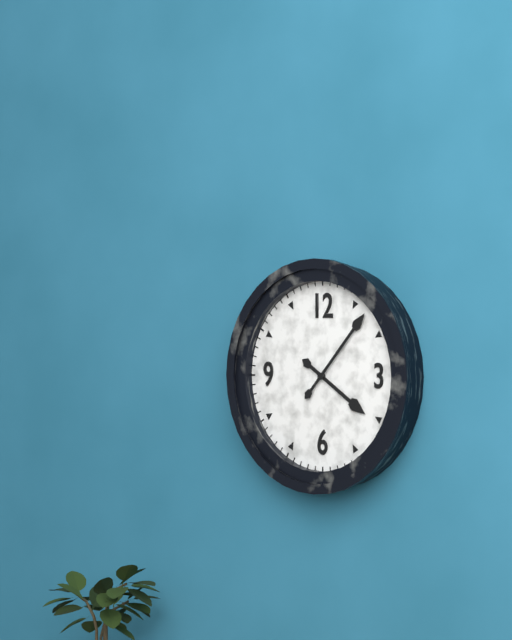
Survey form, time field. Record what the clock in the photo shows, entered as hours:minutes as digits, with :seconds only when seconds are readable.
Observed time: 4:07
